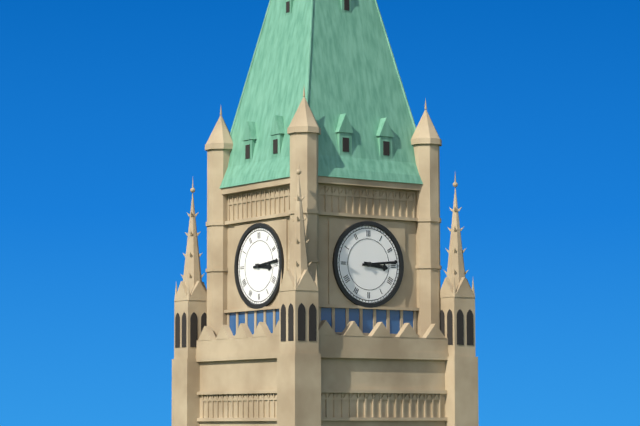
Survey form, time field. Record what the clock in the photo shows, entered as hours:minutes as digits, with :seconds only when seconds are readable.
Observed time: 3:14
